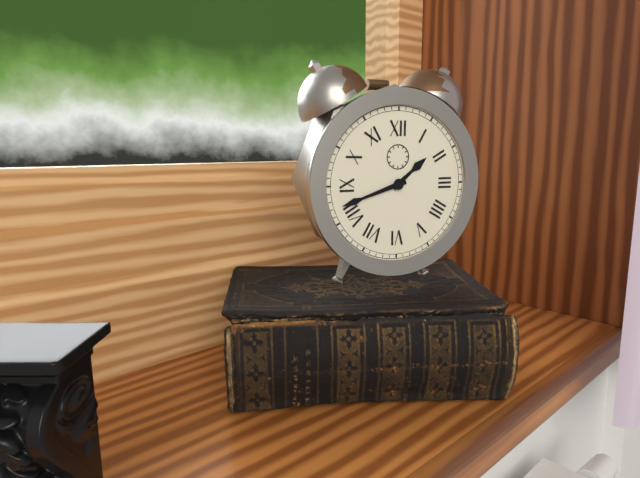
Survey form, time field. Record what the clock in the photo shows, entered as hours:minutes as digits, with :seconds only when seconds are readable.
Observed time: 1:42
